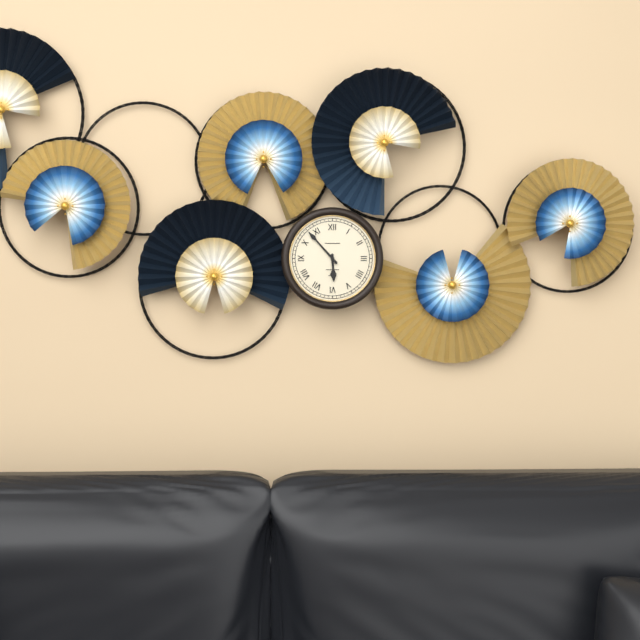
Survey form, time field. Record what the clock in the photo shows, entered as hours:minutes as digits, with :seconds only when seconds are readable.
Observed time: 5:53
